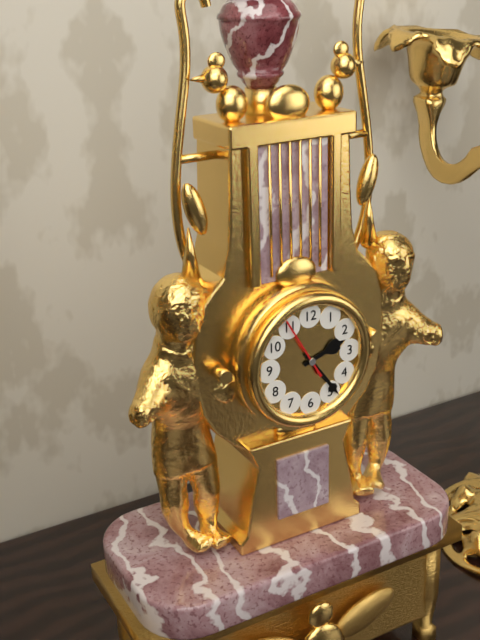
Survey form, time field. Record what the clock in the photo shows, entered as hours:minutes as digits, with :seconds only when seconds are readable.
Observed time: 2:24:55
